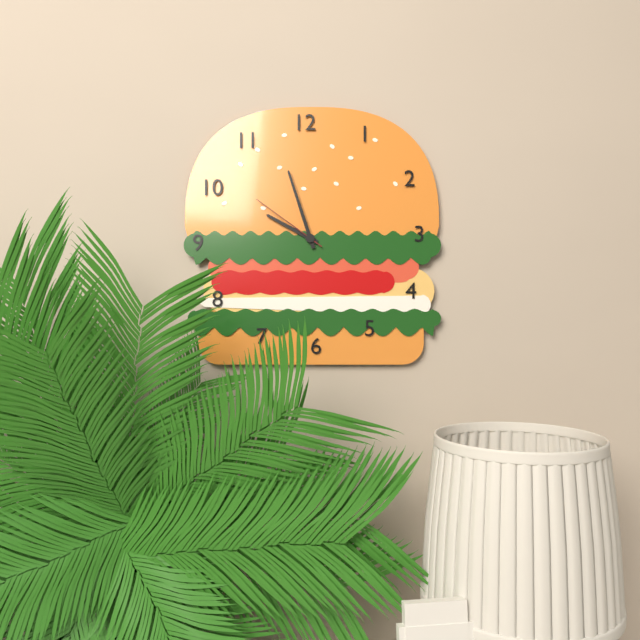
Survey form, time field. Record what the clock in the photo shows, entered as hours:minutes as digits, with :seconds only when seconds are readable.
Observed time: 9:57:51
